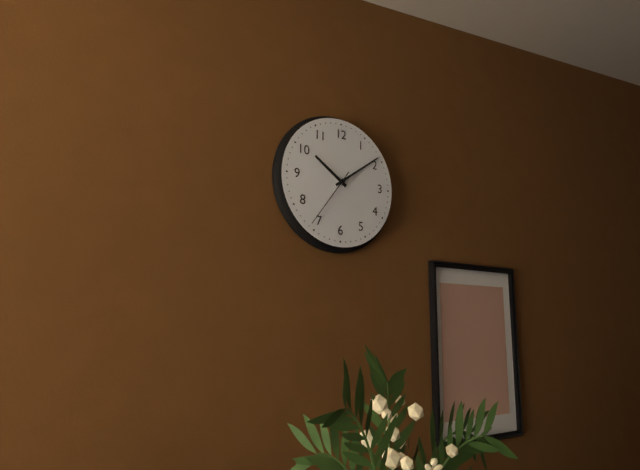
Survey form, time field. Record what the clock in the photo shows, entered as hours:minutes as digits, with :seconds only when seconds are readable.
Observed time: 10:09:36
